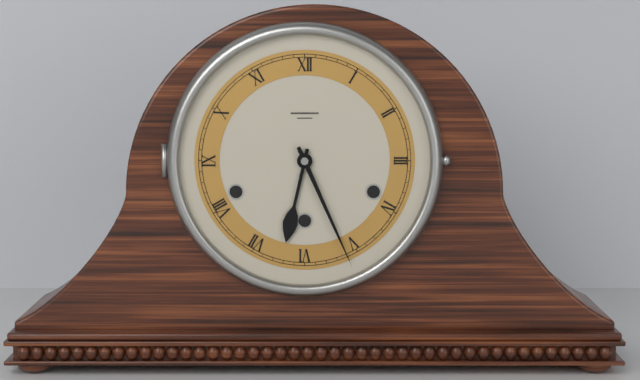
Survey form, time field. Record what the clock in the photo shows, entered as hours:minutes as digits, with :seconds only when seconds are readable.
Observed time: 6:26
